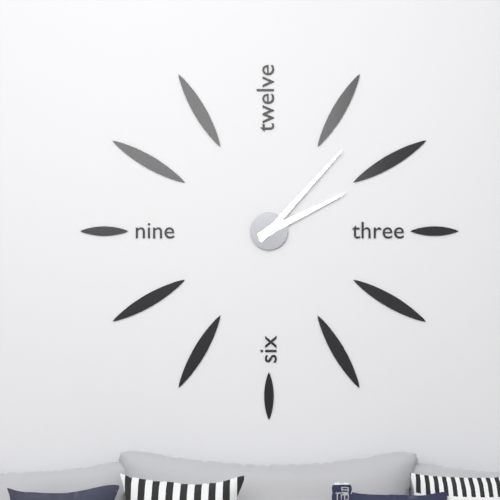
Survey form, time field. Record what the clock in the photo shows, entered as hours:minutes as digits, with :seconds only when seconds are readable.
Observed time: 2:07
